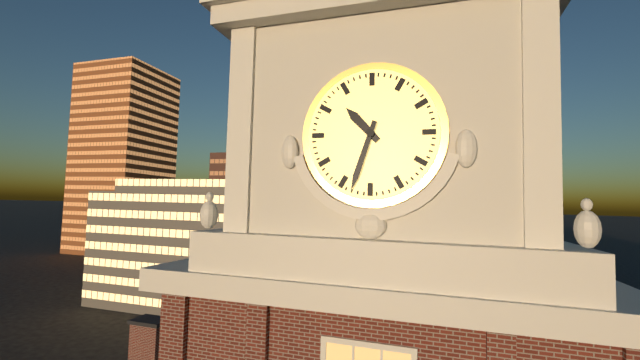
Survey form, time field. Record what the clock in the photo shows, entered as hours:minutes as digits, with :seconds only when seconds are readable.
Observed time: 10:33
